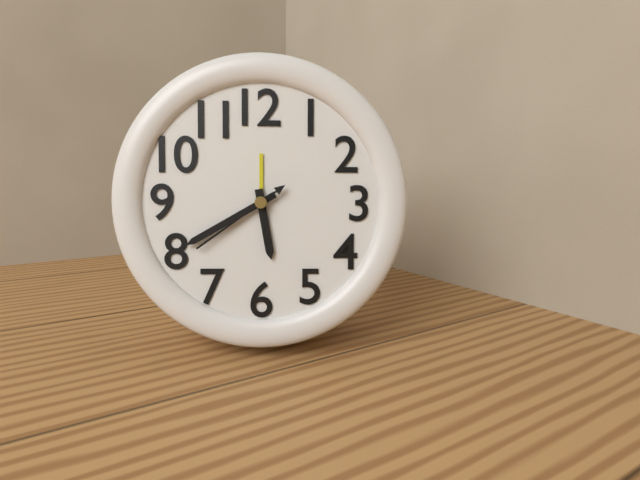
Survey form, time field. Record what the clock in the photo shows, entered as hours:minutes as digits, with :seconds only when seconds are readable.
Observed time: 5:40:39
